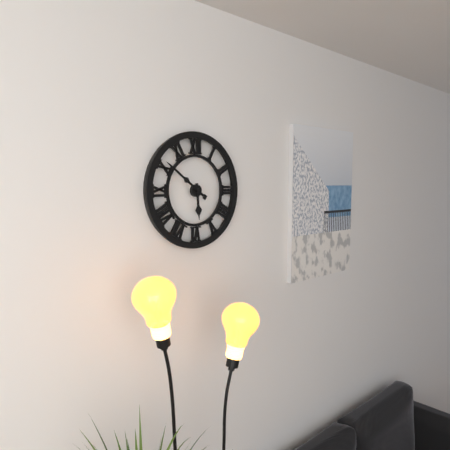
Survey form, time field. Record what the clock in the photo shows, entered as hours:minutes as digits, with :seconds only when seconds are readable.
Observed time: 5:51
